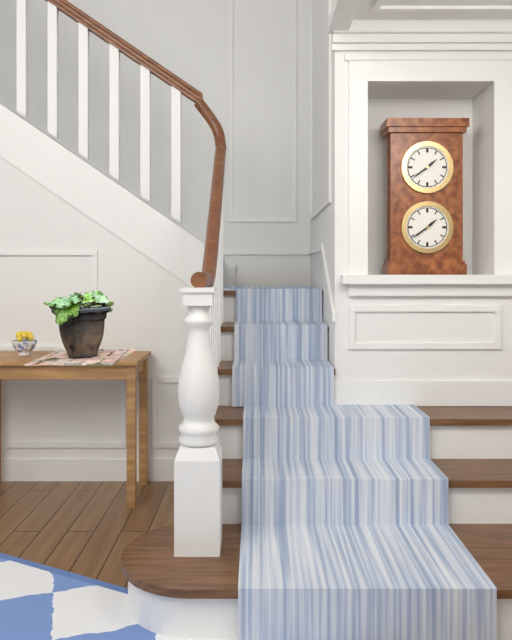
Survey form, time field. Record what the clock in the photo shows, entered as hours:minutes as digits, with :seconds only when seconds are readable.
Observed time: 1:39
